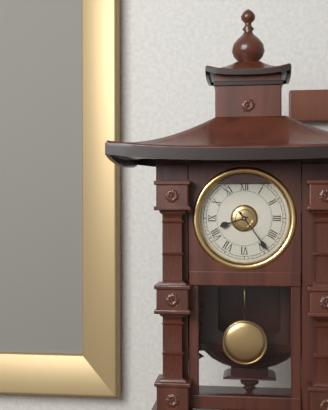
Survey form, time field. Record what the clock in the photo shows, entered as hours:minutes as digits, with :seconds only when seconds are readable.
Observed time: 8:24
